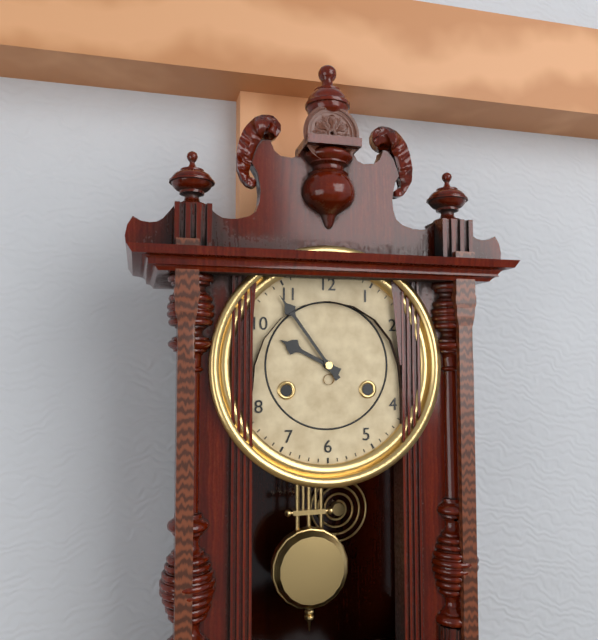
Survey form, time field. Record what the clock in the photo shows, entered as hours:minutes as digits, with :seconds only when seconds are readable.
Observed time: 9:54
